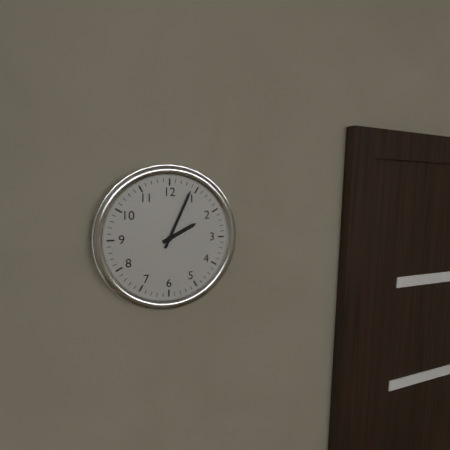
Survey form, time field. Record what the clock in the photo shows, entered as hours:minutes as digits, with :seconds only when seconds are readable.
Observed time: 2:04
